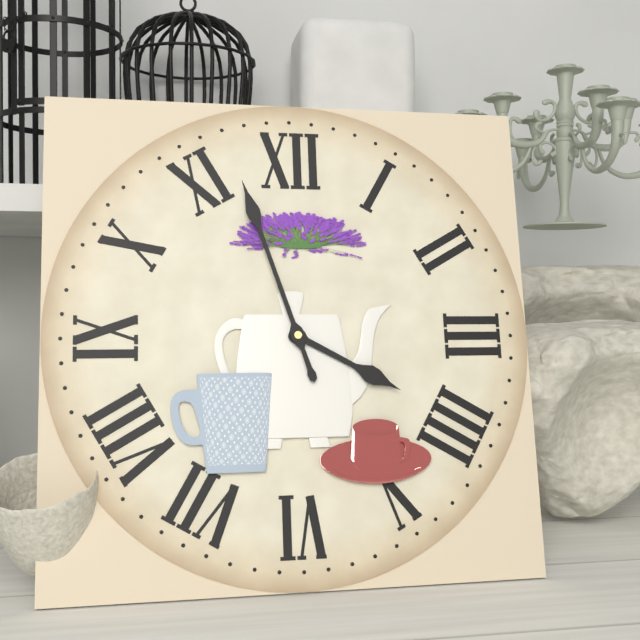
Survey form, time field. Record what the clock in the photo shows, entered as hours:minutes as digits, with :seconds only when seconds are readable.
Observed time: 3:57
